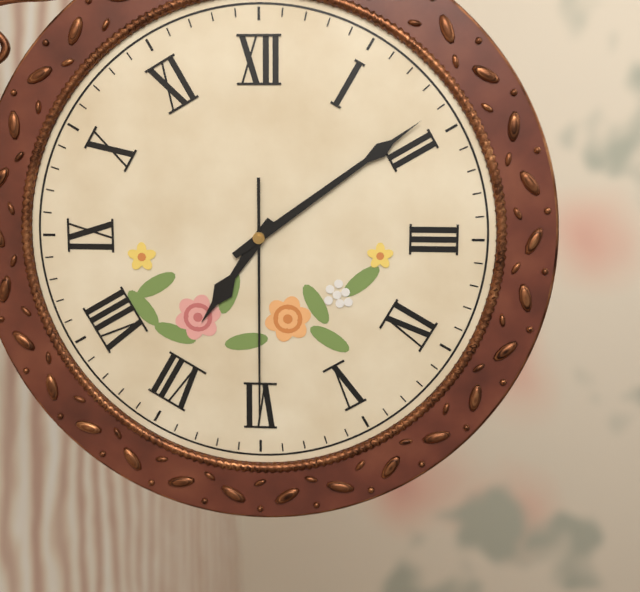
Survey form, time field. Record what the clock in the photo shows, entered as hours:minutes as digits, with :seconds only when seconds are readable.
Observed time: 7:09:30
